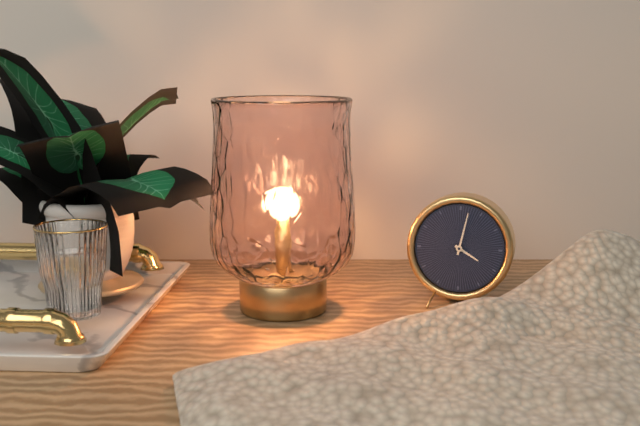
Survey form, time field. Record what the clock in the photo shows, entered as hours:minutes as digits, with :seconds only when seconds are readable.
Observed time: 4:02
